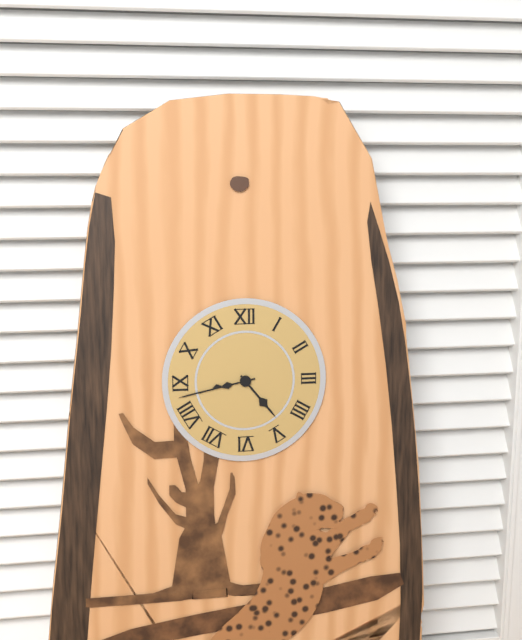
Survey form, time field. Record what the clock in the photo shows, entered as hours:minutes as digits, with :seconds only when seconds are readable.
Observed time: 4:43
